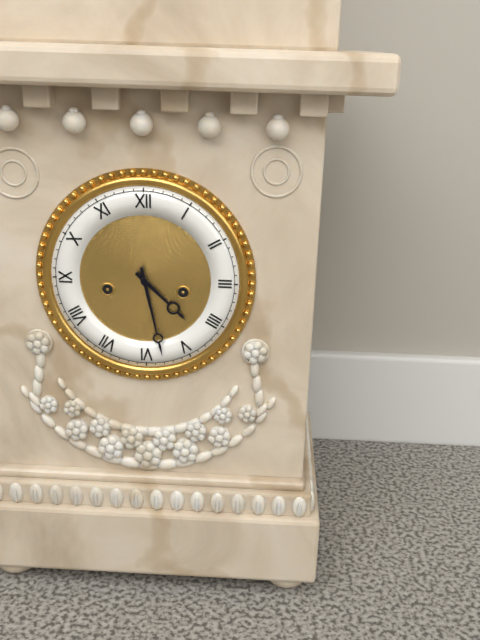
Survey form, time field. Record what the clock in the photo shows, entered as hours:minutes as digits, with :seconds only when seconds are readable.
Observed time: 4:28
